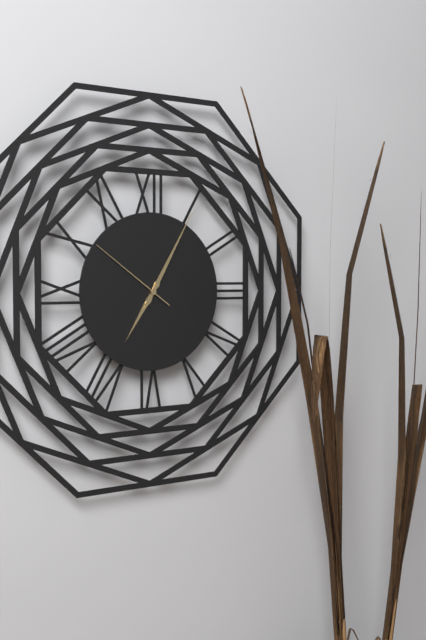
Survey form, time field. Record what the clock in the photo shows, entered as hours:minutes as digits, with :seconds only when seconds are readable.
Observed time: 7:05:51
